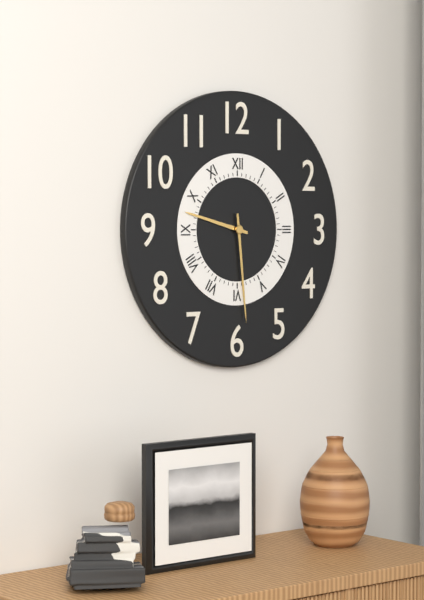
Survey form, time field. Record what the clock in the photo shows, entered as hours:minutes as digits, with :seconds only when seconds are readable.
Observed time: 9:29
